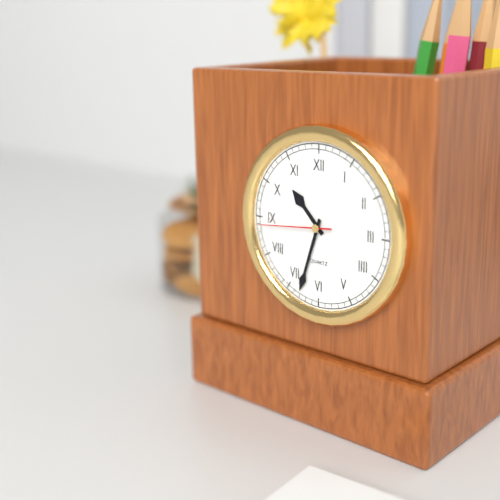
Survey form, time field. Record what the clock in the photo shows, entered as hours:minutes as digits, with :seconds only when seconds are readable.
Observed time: 10:33:44
